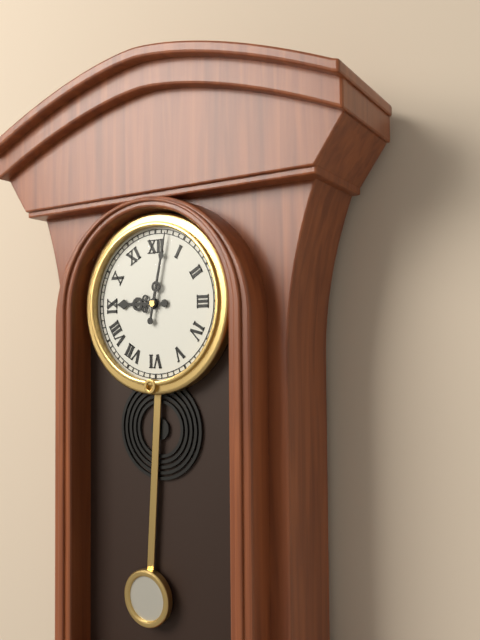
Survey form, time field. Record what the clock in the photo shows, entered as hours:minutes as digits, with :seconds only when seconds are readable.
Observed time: 9:02
